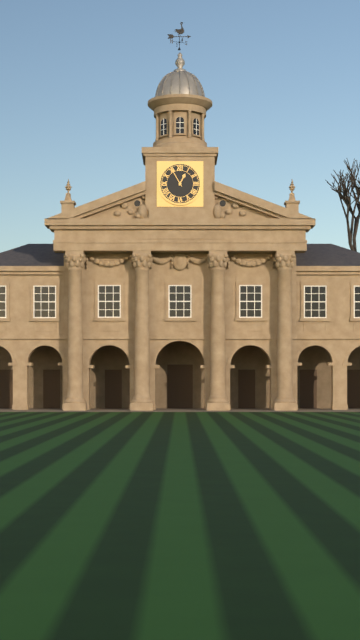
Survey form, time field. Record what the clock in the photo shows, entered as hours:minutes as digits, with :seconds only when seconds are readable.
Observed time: 12:55
